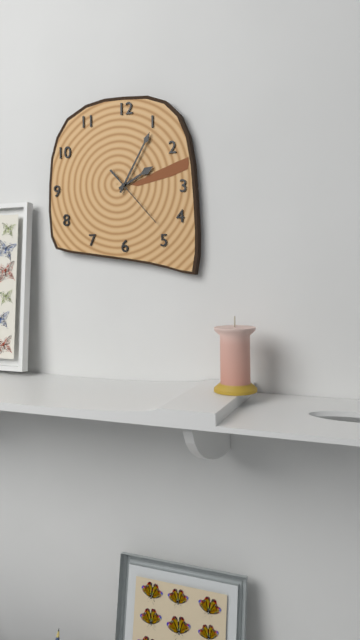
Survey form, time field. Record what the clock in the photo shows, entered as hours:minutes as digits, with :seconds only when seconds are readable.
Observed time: 2:05:23
